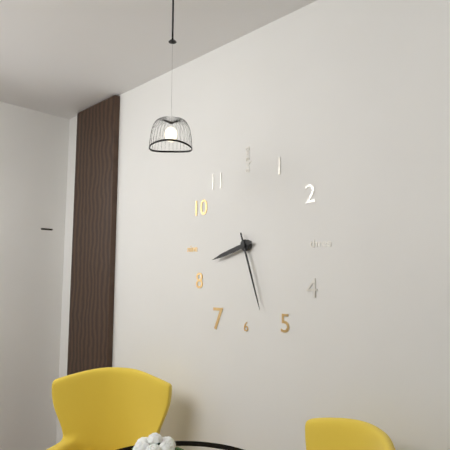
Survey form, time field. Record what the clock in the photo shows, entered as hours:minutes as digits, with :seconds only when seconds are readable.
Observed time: 8:27
